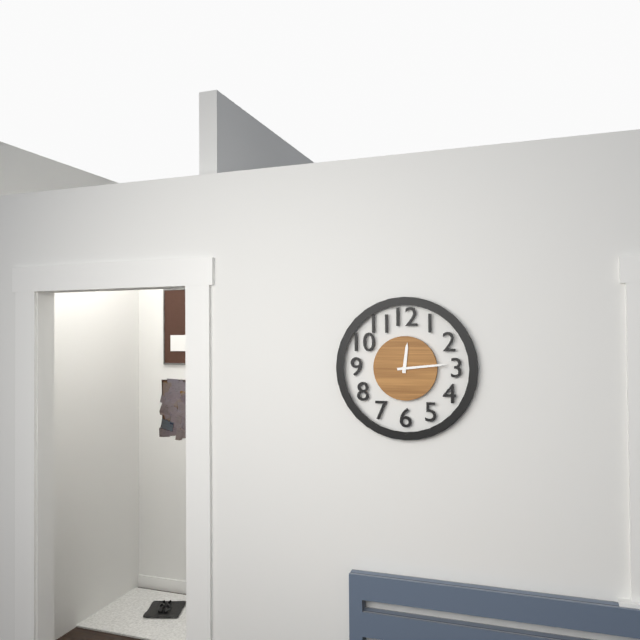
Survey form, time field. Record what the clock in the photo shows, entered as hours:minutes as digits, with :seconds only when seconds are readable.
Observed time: 12:14
